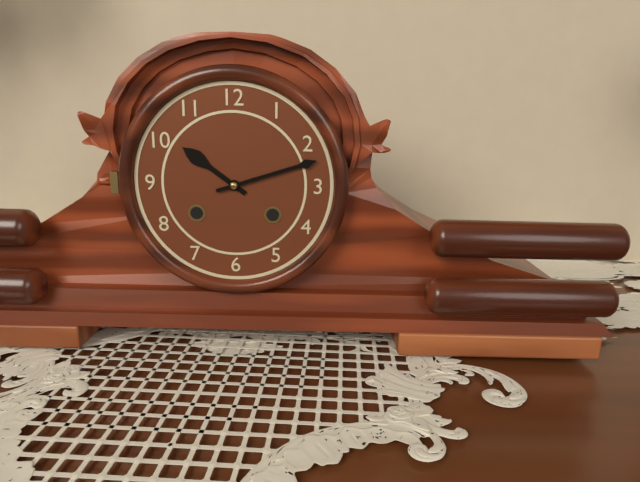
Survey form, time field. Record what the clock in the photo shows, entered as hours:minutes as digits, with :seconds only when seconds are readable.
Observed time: 10:12
